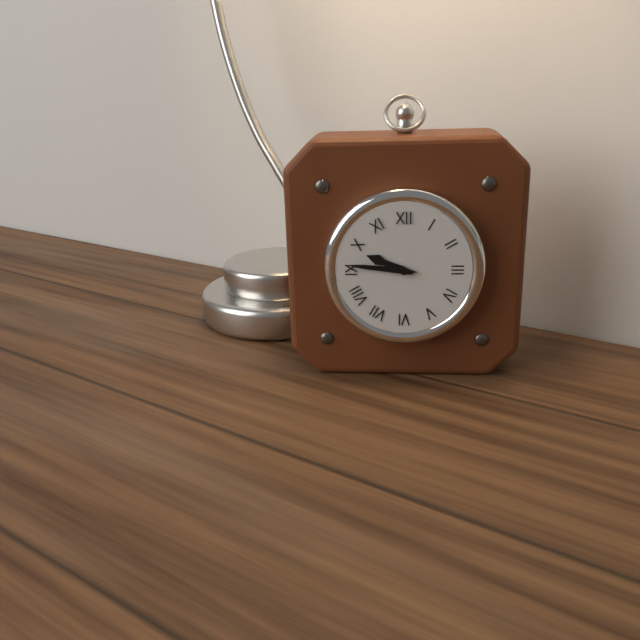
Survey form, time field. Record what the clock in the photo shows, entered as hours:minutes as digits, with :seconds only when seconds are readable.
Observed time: 9:46
